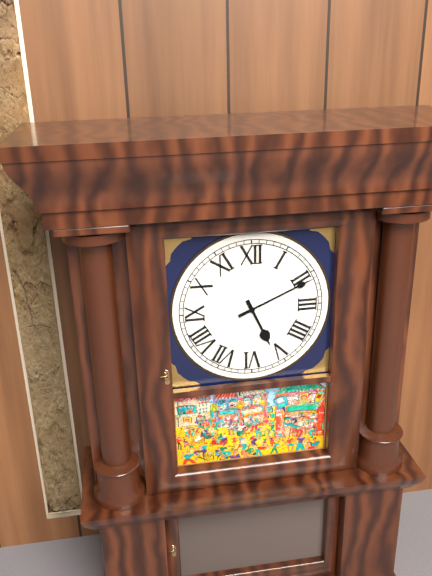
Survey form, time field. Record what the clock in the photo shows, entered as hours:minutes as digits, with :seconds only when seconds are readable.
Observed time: 5:11
